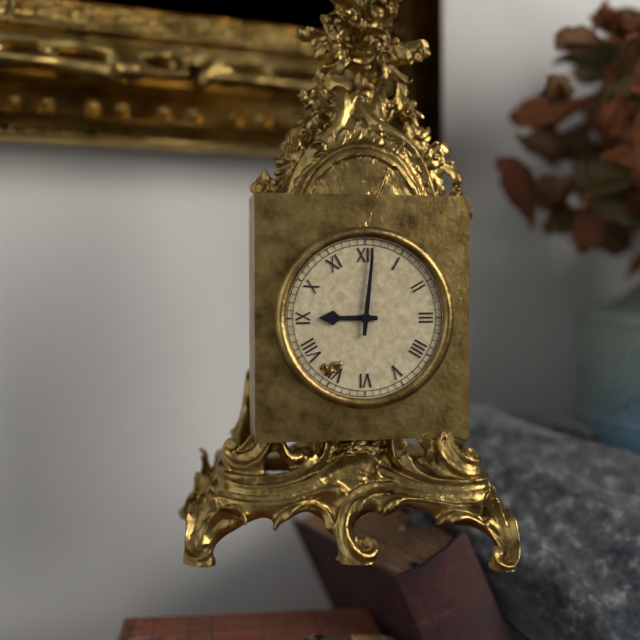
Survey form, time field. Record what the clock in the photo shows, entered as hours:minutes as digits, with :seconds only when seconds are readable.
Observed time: 9:01
